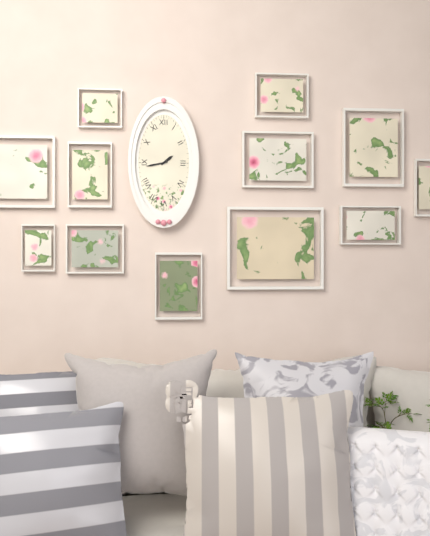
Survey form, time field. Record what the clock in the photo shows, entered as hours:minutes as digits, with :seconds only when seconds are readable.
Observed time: 1:43
